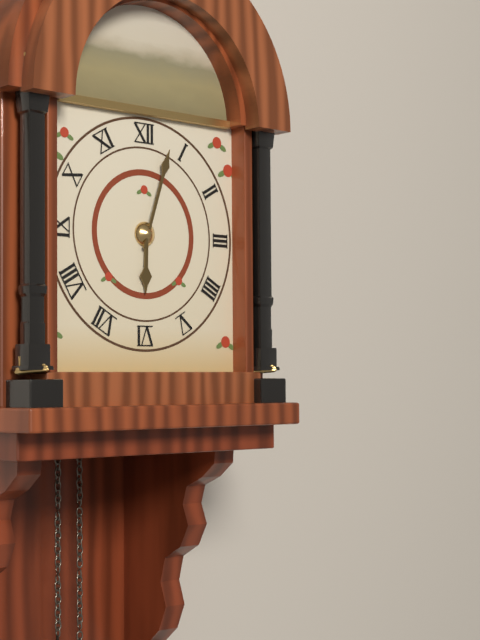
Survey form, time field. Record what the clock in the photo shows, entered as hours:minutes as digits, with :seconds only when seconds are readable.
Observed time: 6:03
